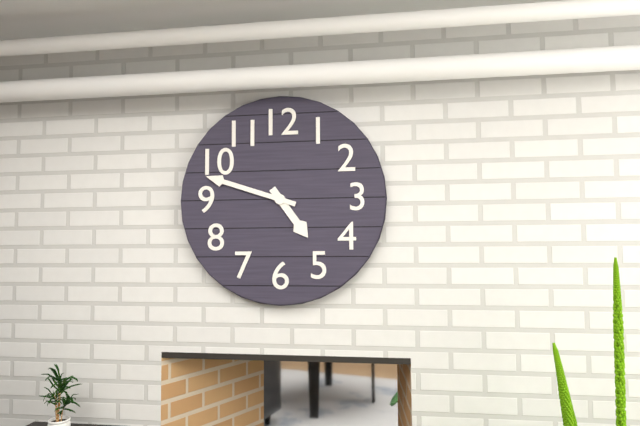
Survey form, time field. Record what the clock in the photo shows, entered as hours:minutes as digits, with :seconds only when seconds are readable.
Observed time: 4:48
